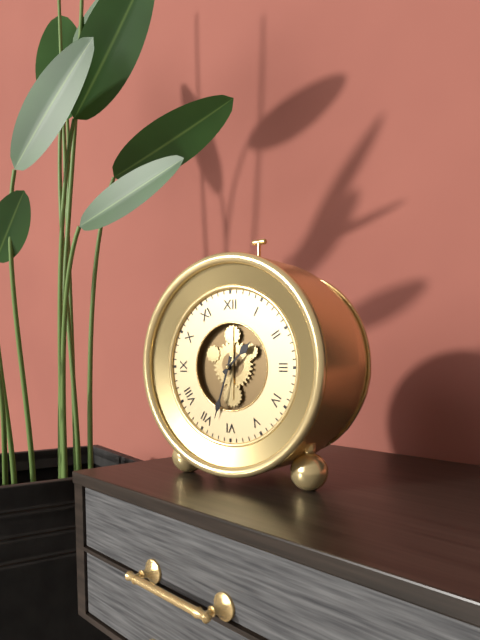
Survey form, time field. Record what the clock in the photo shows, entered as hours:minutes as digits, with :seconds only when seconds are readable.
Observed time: 1:33
